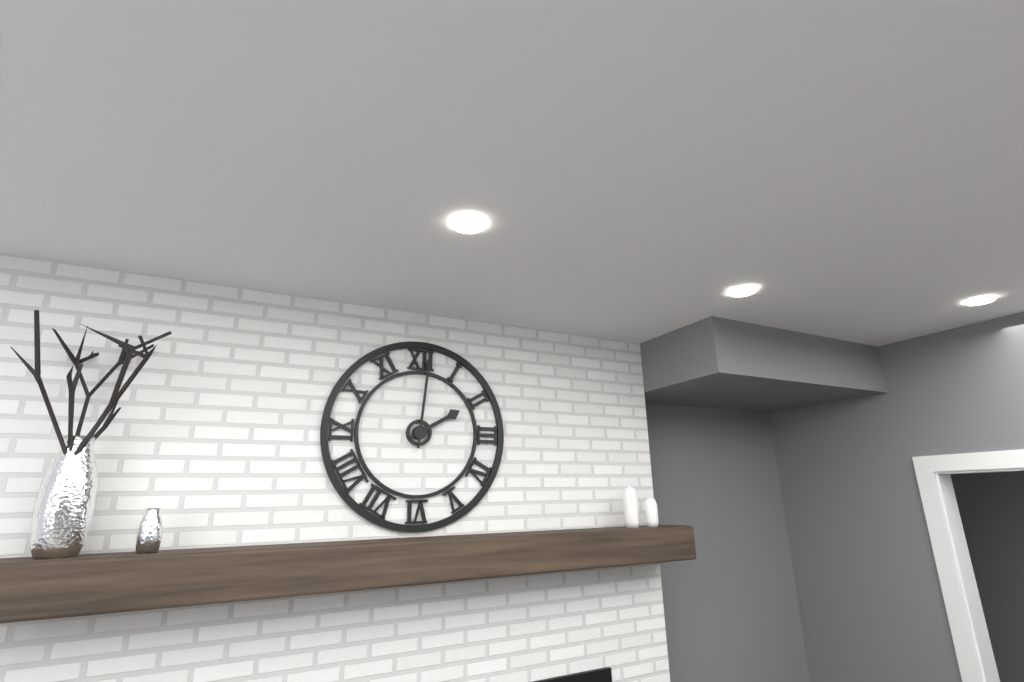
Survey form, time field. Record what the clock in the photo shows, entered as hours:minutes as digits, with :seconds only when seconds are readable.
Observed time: 2:01
